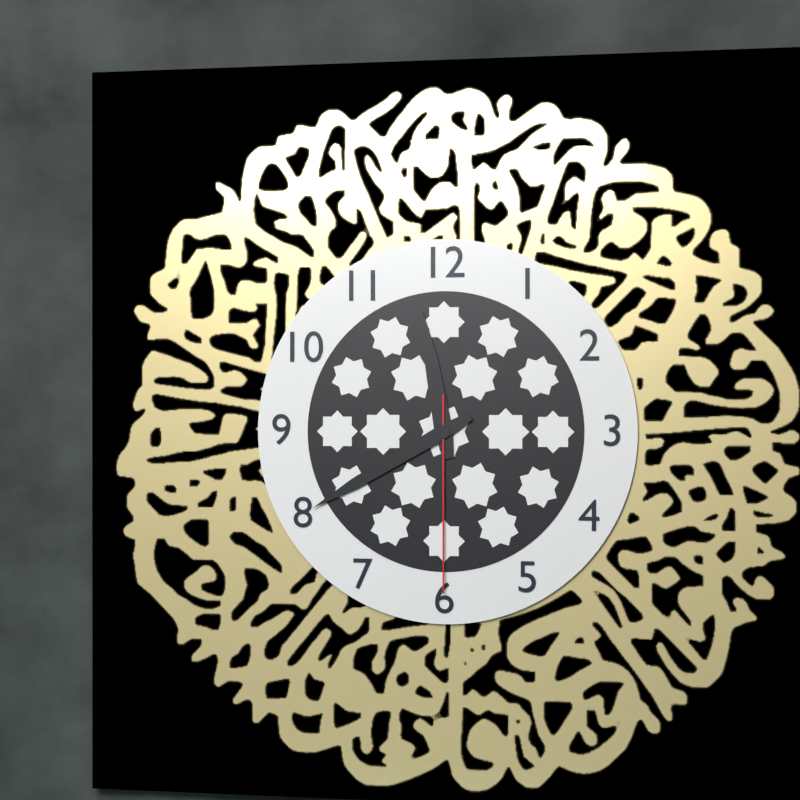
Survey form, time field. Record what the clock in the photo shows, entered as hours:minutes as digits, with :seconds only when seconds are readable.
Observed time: 11:40:30
